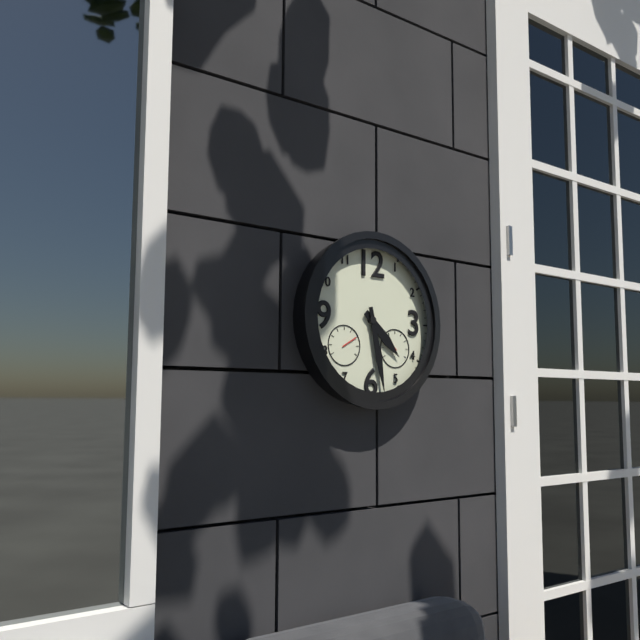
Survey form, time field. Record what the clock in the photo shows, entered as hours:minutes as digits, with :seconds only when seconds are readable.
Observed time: 4:28
